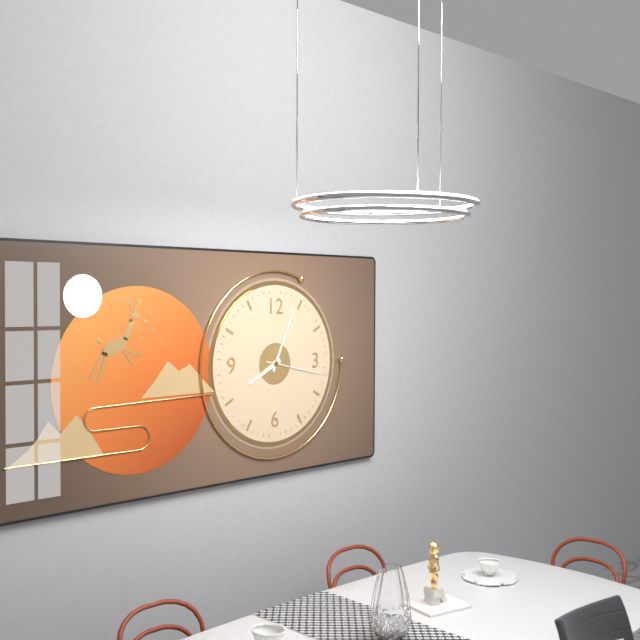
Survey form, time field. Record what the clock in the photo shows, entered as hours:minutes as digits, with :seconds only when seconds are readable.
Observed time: 8:04:17
